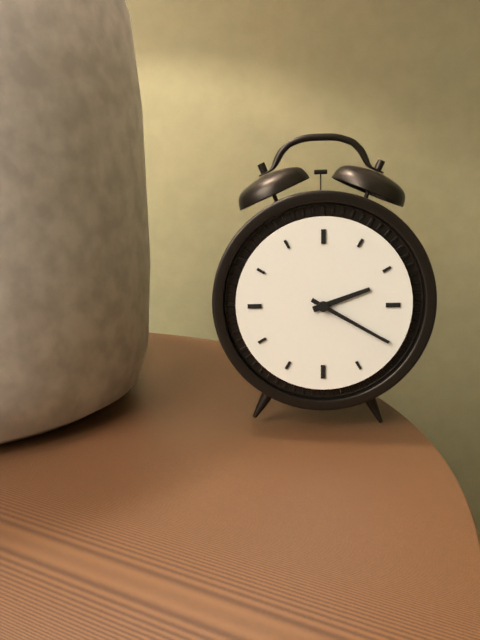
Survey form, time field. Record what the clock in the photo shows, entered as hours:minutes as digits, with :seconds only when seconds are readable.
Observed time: 2:20
